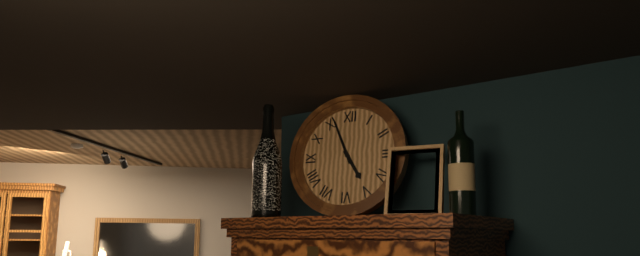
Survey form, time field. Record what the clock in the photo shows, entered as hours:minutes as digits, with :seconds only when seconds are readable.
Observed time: 4:56
